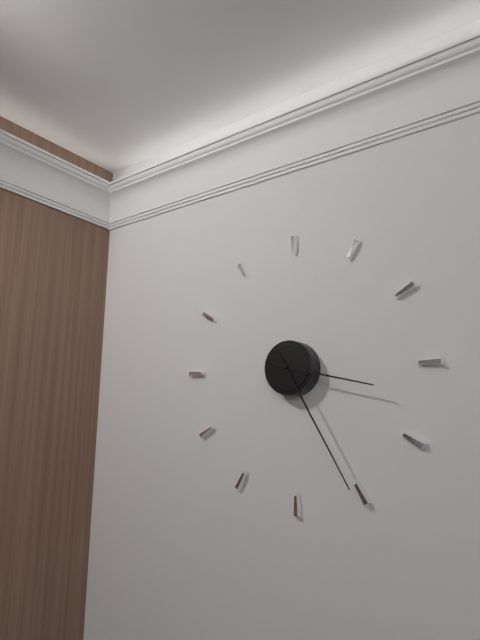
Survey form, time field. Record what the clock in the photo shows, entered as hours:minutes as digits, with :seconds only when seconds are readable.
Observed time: 3:25
